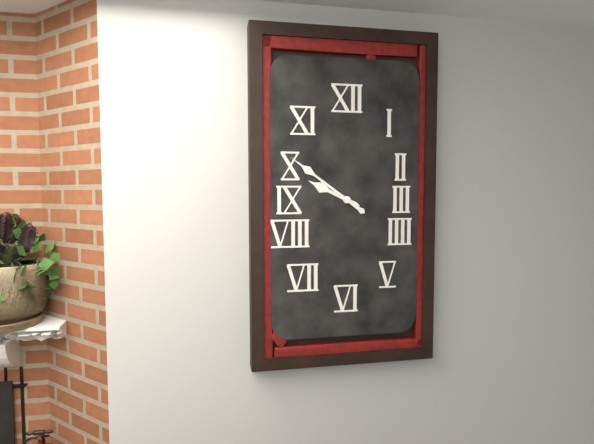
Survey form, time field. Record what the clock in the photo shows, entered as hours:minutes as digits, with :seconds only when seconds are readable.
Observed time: 9:51
